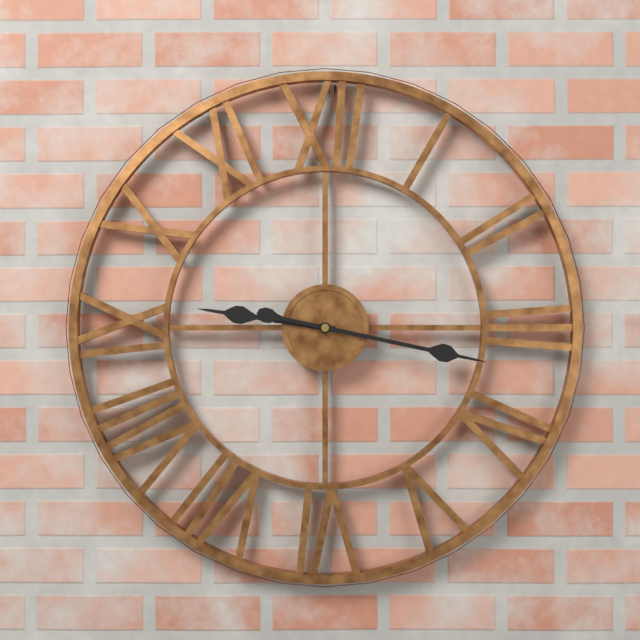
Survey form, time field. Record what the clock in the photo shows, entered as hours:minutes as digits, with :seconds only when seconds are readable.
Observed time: 9:17
